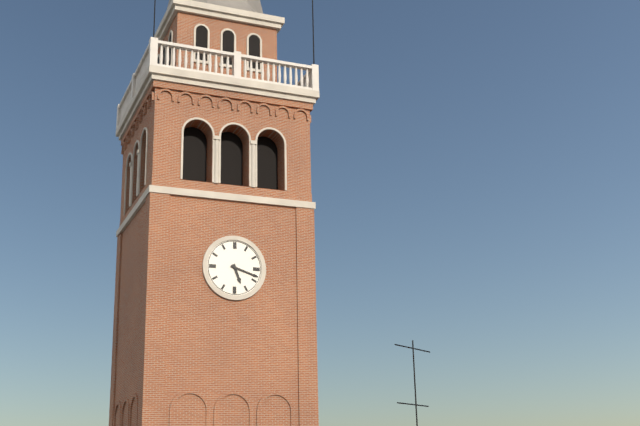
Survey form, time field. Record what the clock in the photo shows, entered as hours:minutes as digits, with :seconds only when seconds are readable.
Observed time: 5:18
